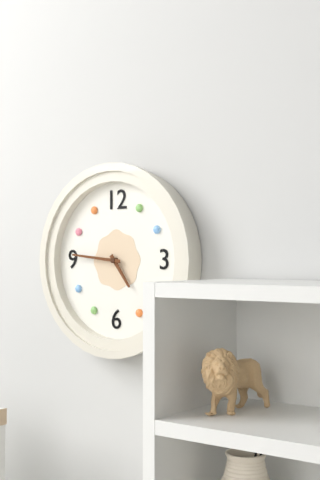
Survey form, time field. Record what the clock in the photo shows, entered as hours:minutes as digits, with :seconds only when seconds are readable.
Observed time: 4:46
